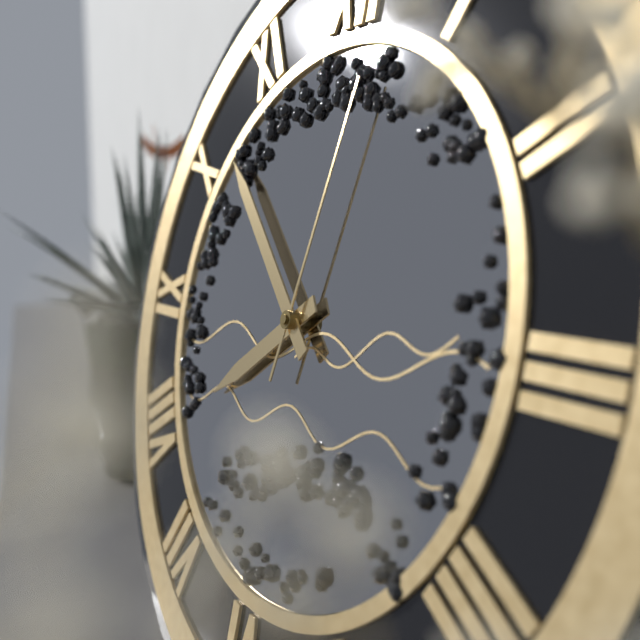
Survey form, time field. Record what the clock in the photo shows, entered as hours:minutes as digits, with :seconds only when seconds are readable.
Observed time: 7:52:02
